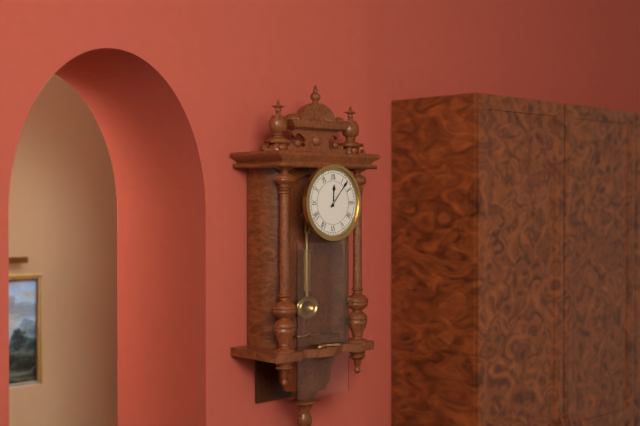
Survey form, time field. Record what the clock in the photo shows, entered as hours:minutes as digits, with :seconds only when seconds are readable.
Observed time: 12:07
